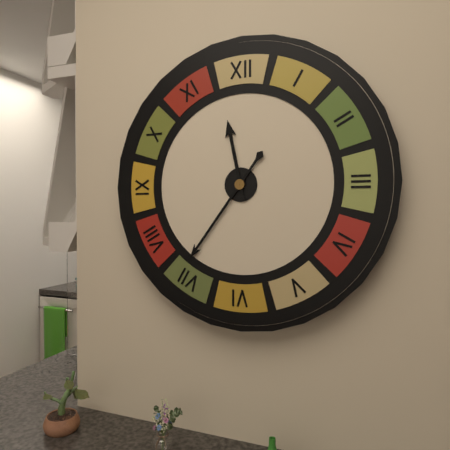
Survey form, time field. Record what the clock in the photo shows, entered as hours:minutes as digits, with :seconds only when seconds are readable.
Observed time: 11:36
